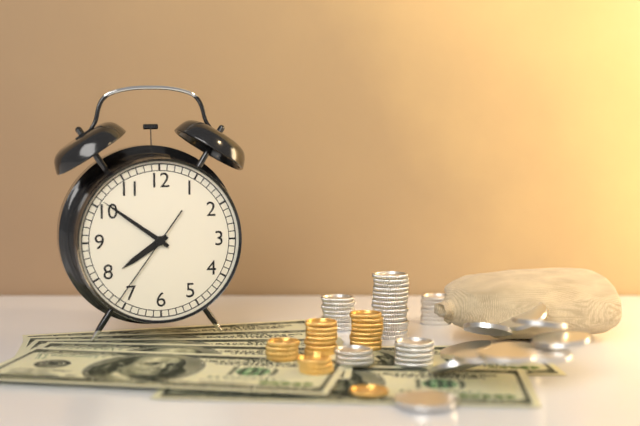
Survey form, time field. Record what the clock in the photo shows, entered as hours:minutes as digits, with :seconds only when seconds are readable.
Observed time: 7:51:36
